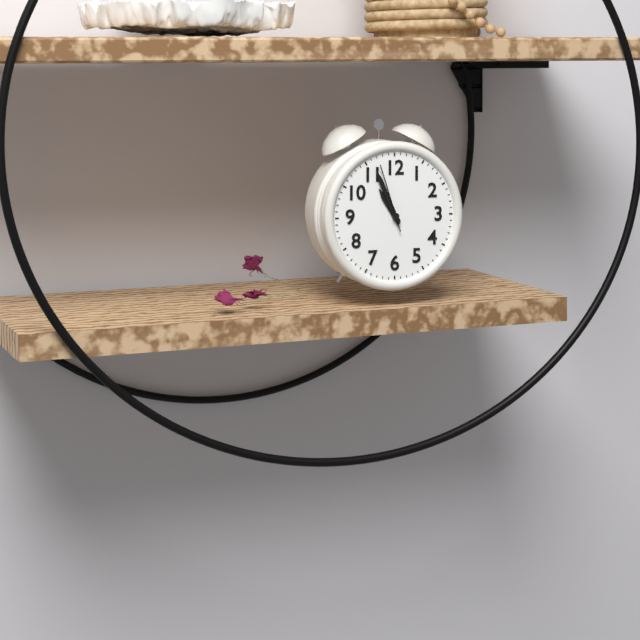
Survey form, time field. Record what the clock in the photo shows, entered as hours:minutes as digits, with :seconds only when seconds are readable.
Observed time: 10:56:57
